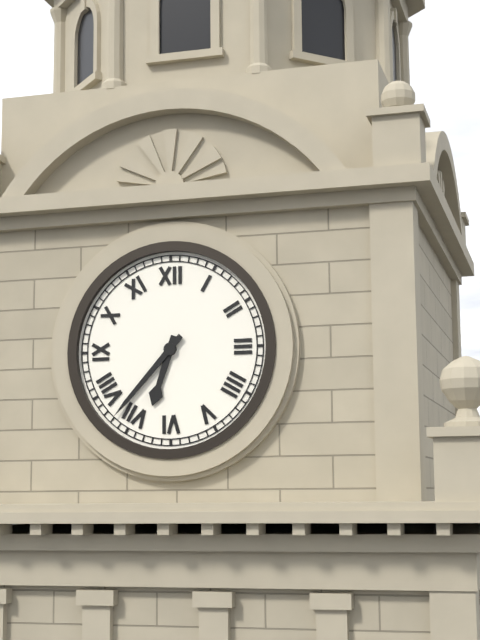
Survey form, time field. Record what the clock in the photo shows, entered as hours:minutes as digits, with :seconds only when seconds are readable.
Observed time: 6:37
